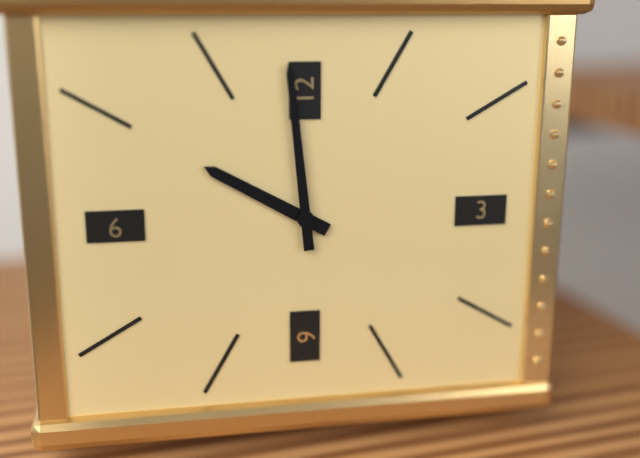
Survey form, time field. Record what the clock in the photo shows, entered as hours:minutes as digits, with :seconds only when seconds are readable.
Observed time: 9:59
